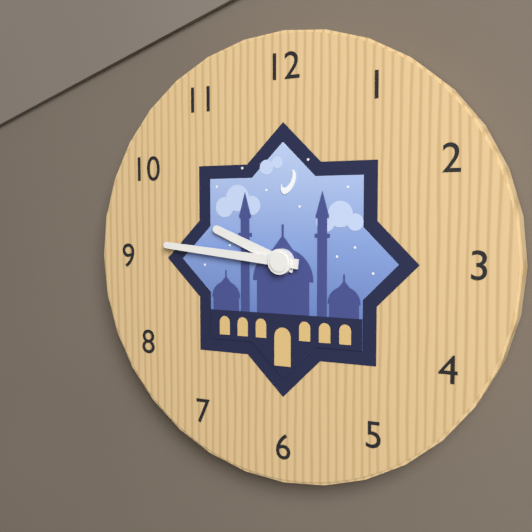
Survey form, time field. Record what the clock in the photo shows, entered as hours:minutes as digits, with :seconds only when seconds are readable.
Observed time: 9:46
